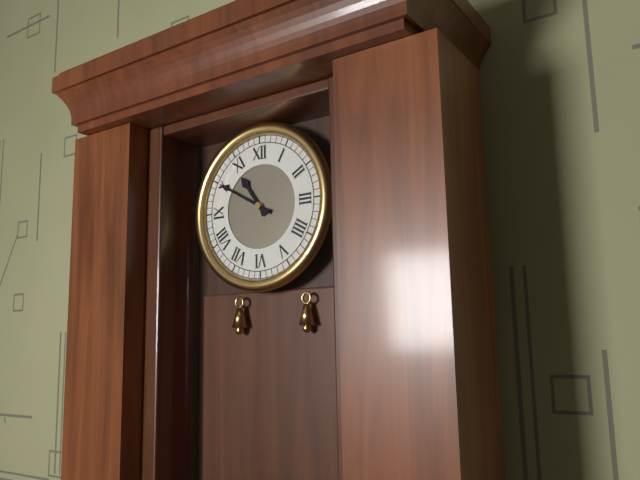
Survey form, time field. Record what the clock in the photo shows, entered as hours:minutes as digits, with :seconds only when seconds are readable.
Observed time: 10:50
